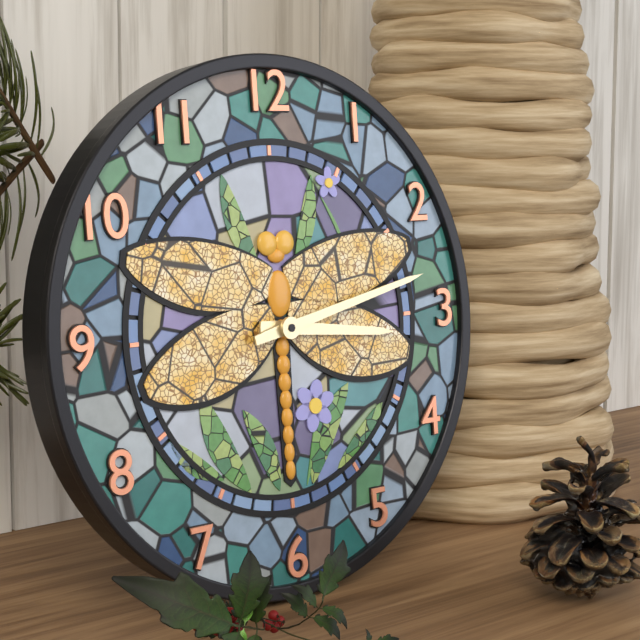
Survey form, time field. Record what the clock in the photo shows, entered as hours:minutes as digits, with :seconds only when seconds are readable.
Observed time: 3:13
